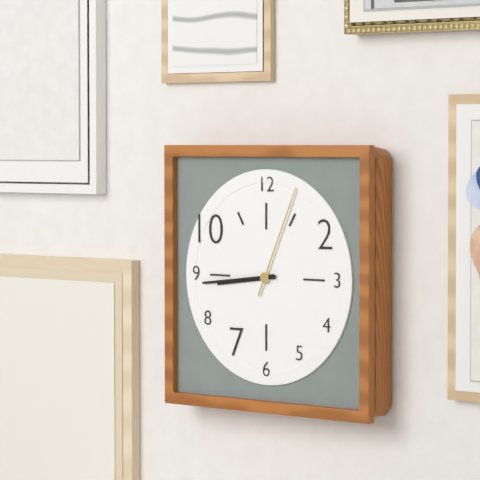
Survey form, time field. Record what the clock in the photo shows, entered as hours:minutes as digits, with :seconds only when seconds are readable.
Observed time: 8:44:04
